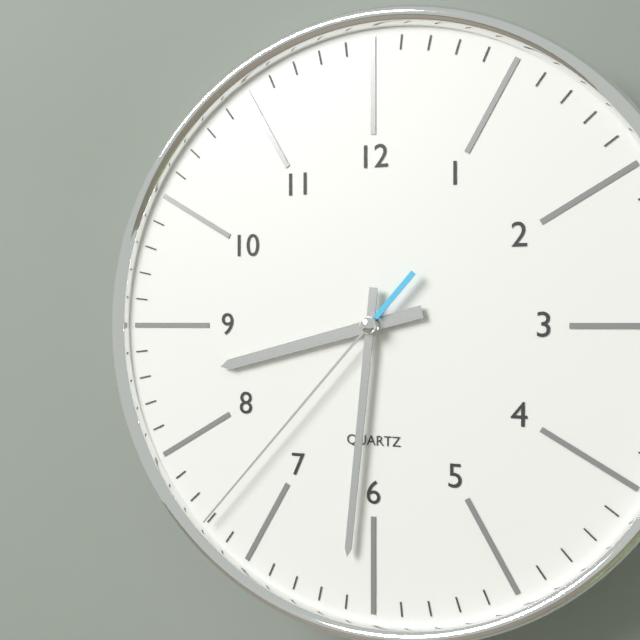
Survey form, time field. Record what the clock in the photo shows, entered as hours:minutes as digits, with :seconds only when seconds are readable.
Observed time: 8:31:37
